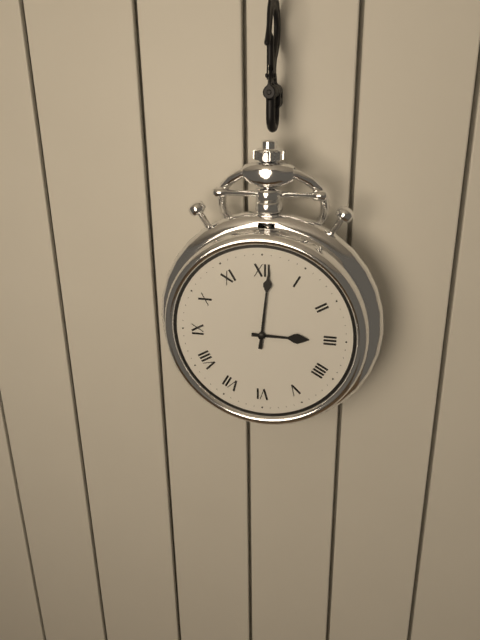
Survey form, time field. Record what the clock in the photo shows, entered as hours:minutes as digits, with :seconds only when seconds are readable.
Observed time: 3:01
